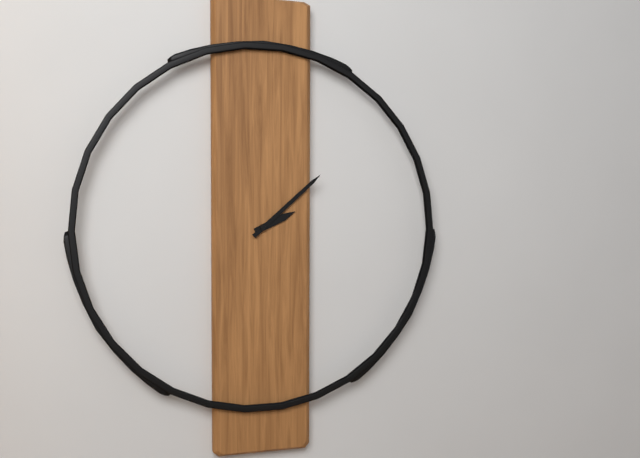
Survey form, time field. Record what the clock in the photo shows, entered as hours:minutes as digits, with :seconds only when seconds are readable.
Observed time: 2:08
